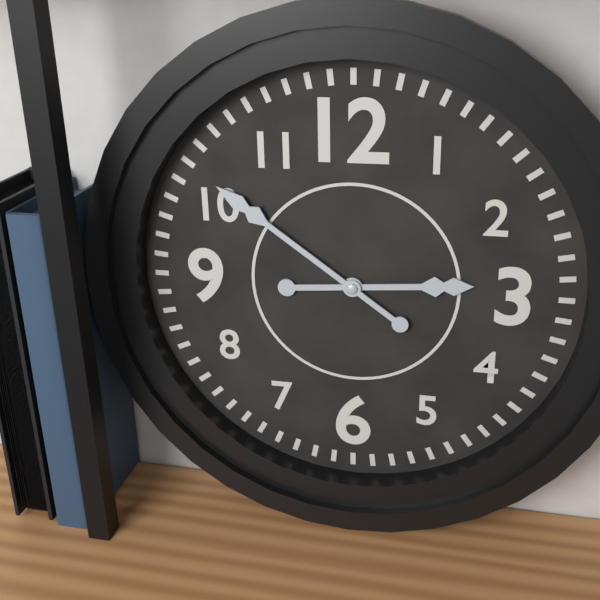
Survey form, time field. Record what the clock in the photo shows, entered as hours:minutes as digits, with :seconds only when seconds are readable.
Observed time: 2:51
